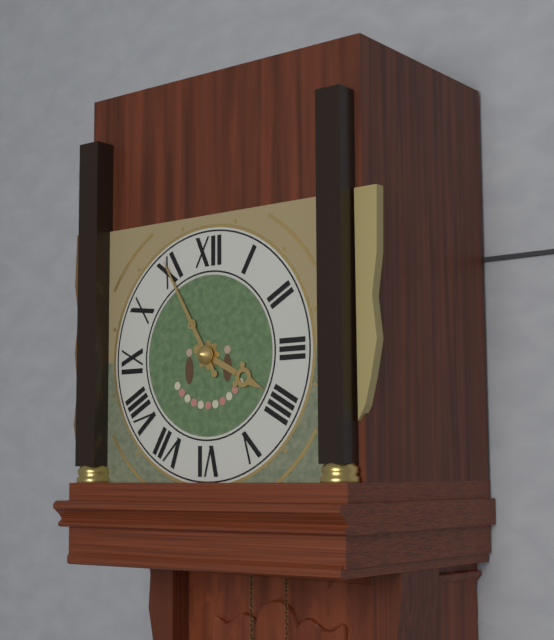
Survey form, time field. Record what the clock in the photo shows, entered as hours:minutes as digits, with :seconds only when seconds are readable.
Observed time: 3:55
